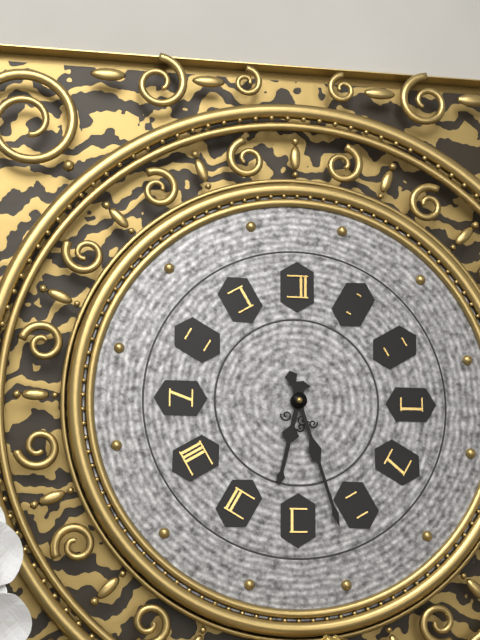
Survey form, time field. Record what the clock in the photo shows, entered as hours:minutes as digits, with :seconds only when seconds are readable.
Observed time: 6:27
